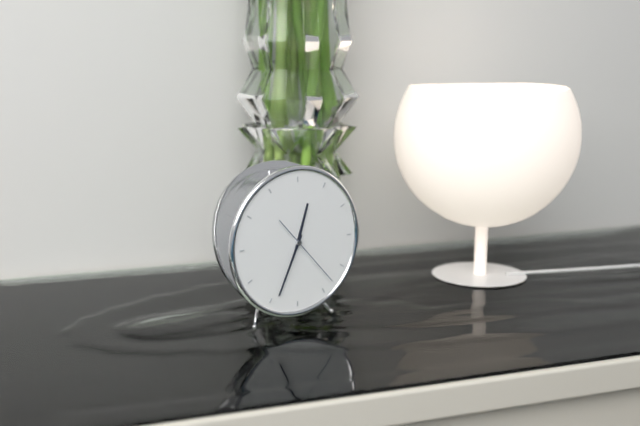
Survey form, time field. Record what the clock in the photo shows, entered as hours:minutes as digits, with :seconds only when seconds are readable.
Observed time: 12:34:23
